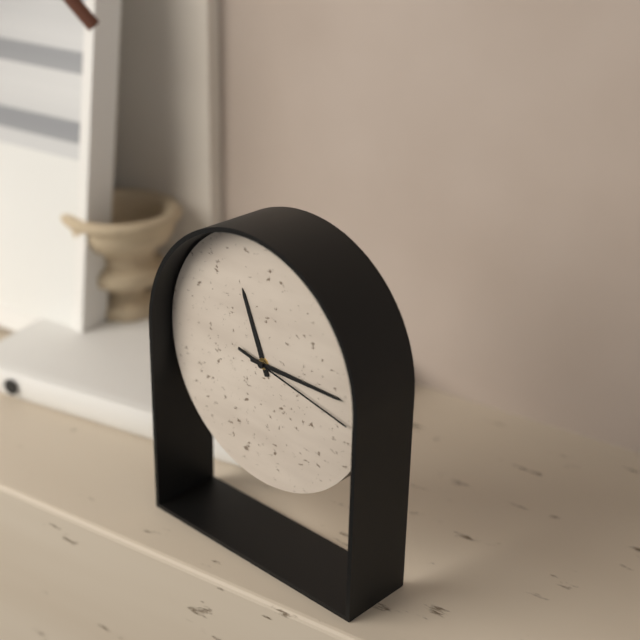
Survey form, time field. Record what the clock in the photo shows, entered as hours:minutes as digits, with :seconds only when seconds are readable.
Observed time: 11:15:17
